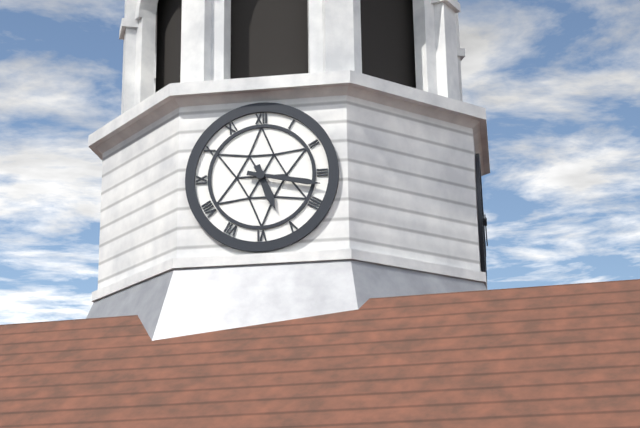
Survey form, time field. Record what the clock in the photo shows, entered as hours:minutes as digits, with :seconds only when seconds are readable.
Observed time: 5:17
